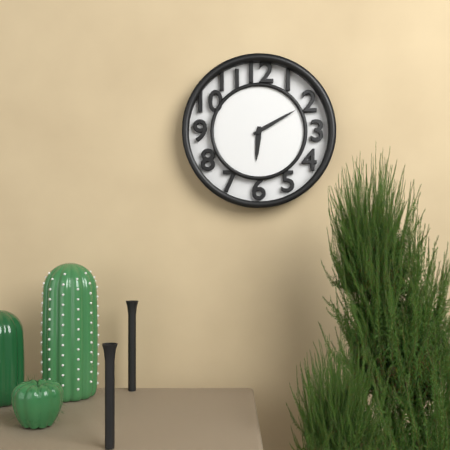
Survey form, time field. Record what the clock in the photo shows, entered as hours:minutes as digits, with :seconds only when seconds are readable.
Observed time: 6:10
